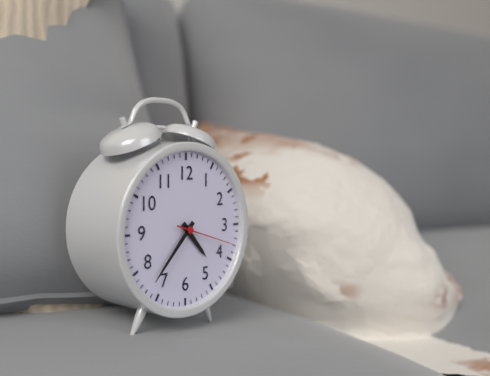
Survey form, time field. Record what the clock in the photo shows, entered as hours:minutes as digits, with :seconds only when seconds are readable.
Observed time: 4:37:18
